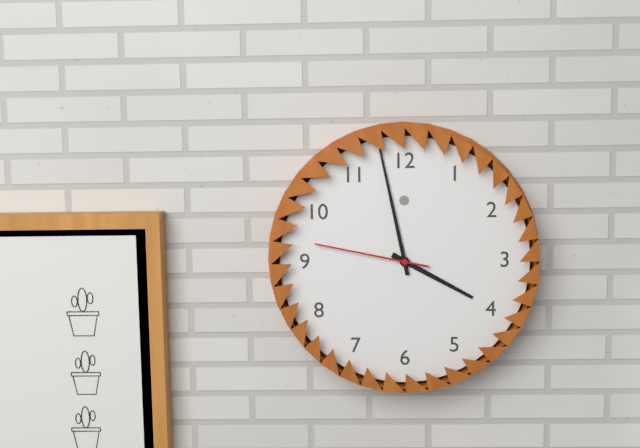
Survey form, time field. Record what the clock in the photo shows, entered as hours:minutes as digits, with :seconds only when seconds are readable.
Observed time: 3:58:47
